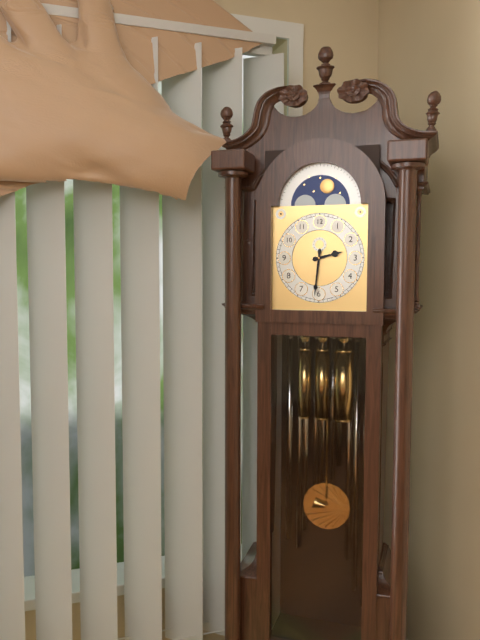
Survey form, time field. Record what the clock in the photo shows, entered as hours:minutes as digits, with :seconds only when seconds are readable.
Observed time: 2:31
